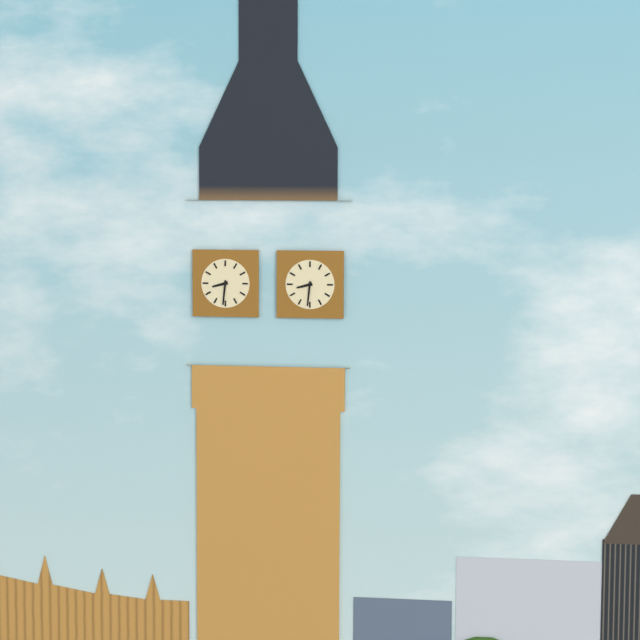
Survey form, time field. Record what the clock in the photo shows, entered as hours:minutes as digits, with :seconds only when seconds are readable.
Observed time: 8:31
